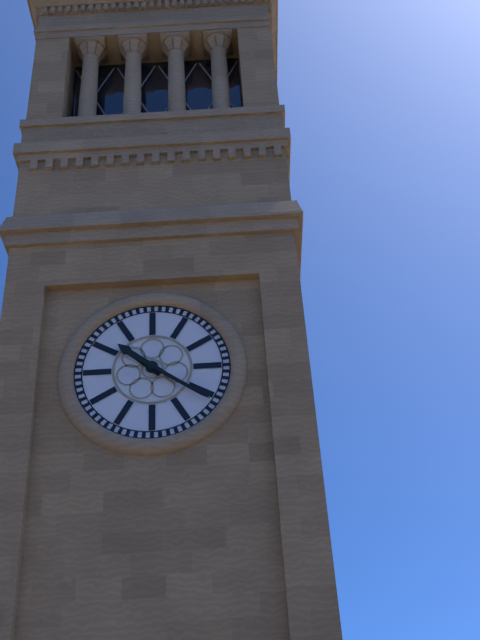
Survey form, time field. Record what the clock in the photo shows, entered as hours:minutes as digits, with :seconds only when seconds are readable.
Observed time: 10:21
